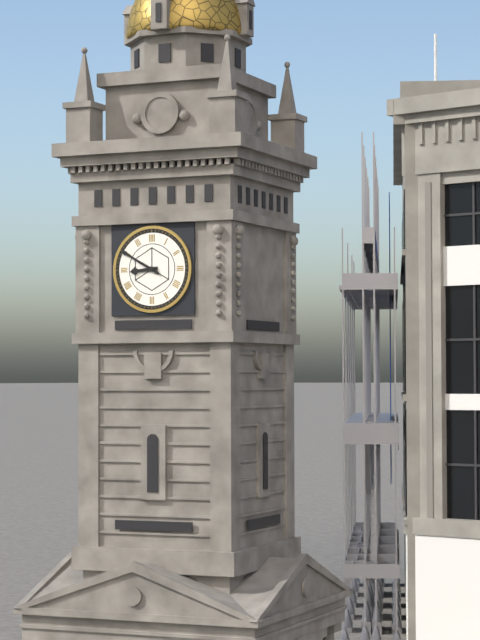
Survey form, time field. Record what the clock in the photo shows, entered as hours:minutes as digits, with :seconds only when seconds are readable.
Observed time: 8:50
